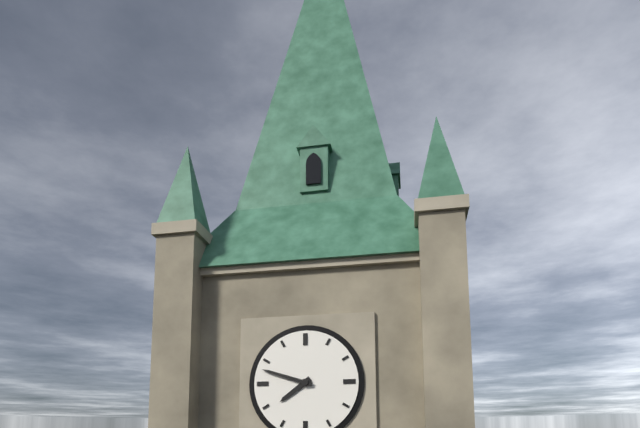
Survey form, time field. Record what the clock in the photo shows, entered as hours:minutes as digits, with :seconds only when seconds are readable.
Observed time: 7:48
